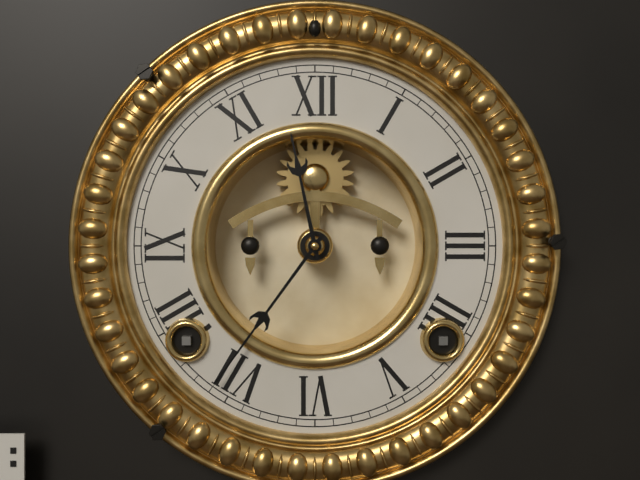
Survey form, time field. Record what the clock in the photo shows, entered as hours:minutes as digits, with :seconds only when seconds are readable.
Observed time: 11:36
